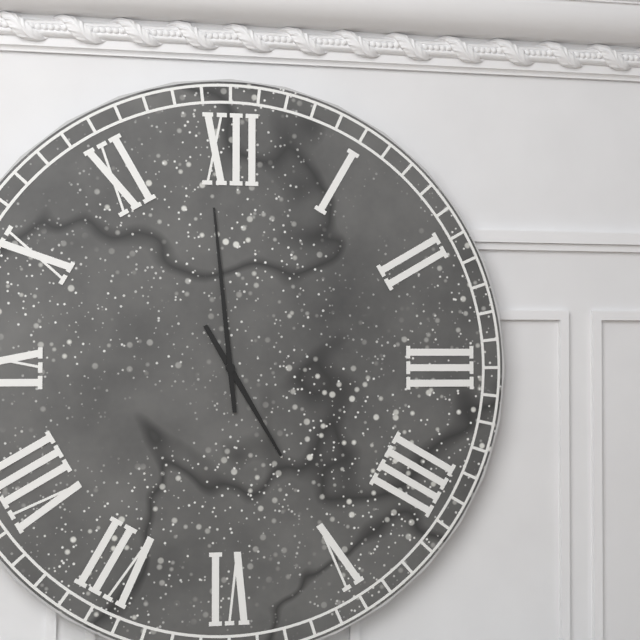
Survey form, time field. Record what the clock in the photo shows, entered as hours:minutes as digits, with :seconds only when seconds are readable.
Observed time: 4:59
